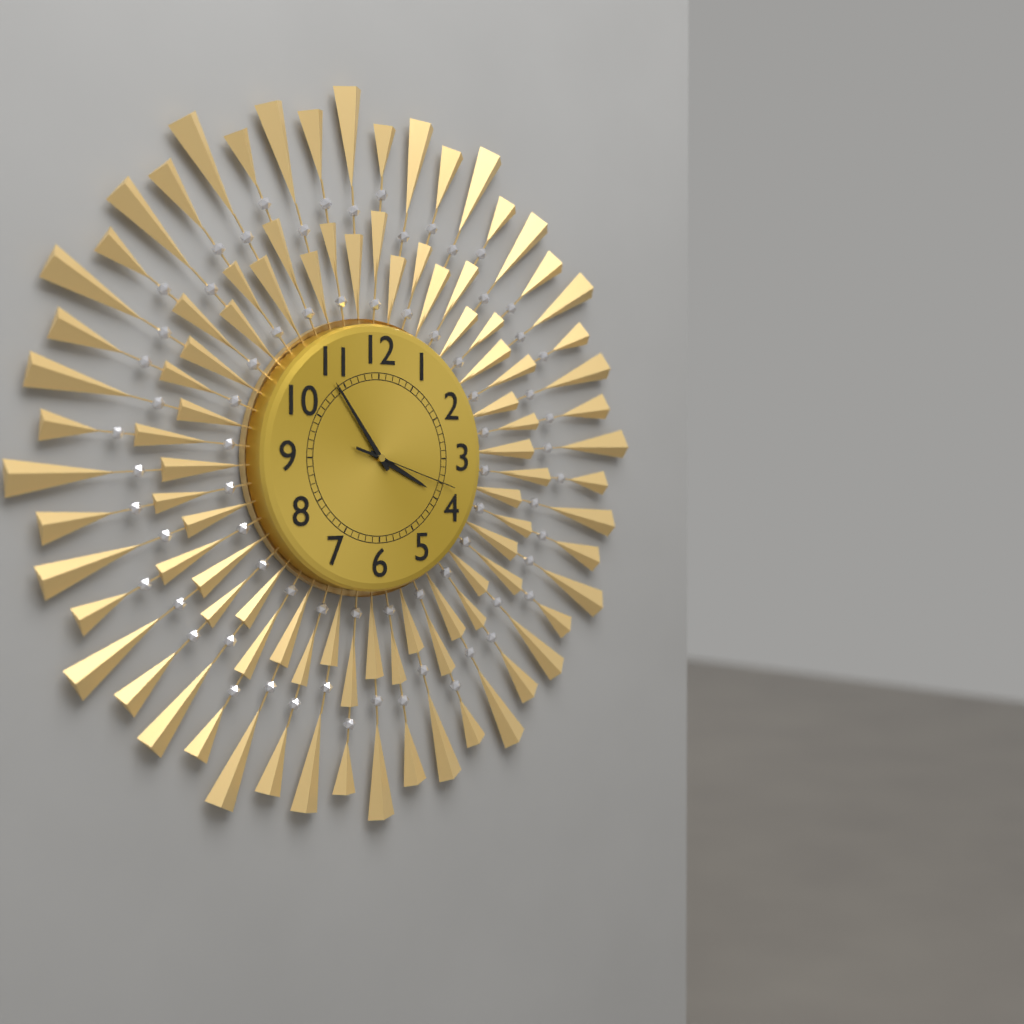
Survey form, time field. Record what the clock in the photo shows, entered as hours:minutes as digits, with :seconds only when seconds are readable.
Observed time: 3:54:18
